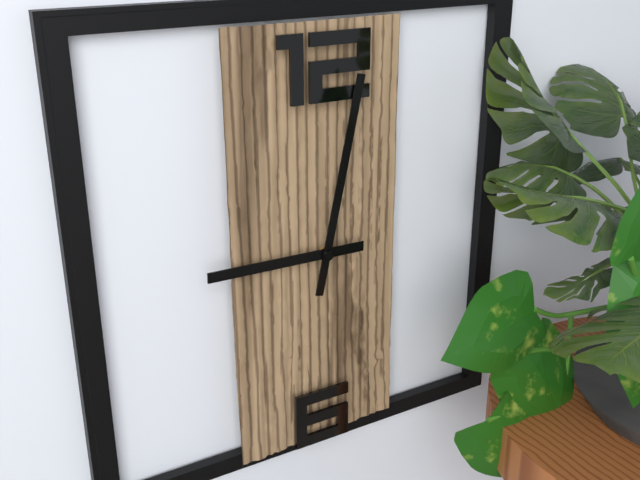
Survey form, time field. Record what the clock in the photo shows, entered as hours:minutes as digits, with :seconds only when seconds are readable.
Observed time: 9:02
